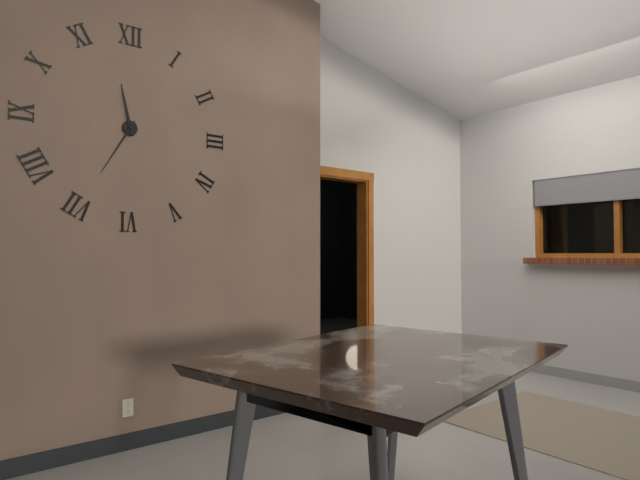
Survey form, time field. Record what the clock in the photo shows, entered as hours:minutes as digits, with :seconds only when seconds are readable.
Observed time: 11:35
